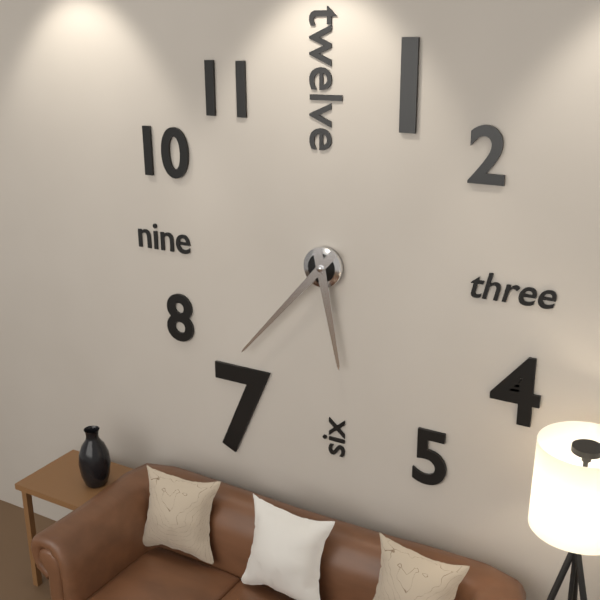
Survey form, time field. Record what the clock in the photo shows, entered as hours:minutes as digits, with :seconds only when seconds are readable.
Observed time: 5:37
